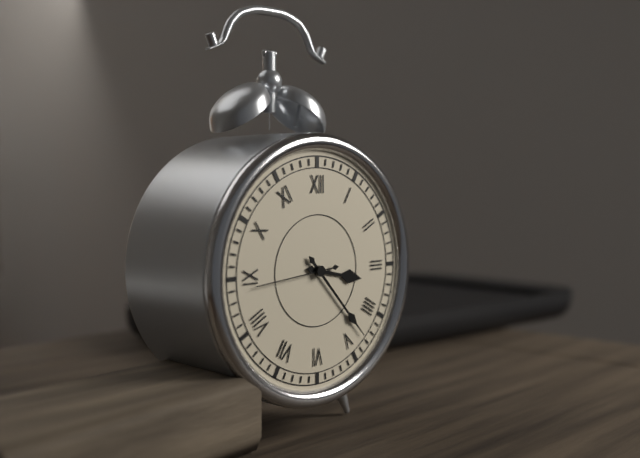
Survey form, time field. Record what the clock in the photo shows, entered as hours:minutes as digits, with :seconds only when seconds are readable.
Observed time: 3:23:44
